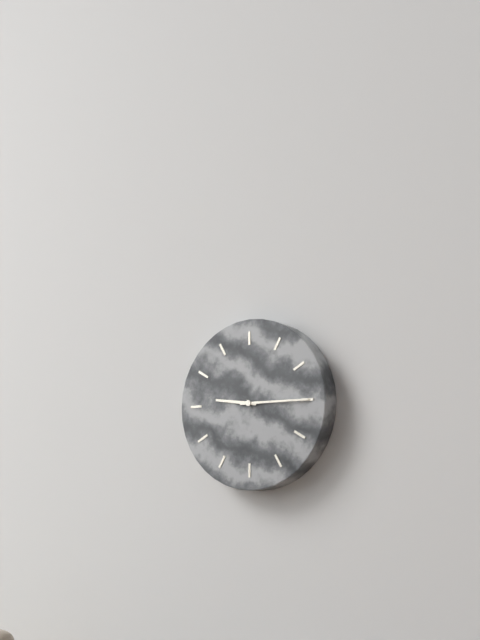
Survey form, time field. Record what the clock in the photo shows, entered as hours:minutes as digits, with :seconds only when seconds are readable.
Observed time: 9:15
